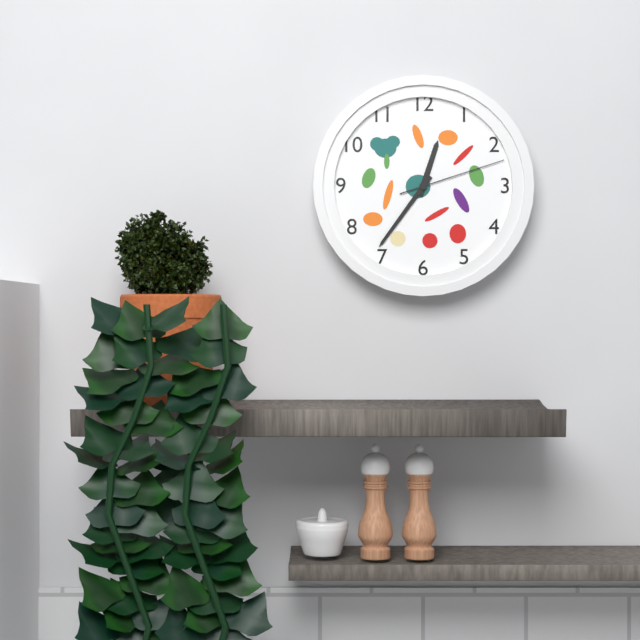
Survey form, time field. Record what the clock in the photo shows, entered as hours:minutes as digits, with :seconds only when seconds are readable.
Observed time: 12:36:12
